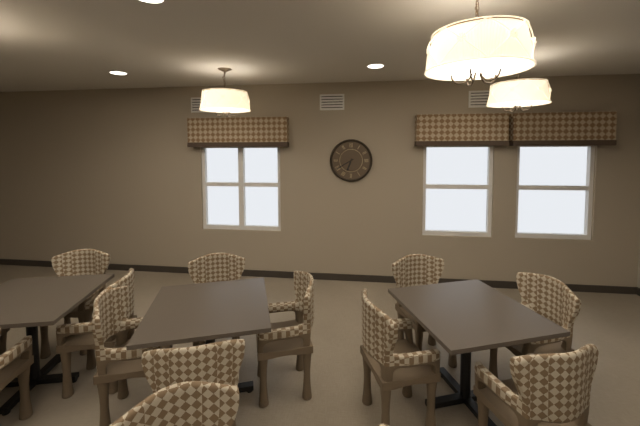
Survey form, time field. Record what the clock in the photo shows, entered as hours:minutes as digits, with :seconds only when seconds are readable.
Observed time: 6:40
